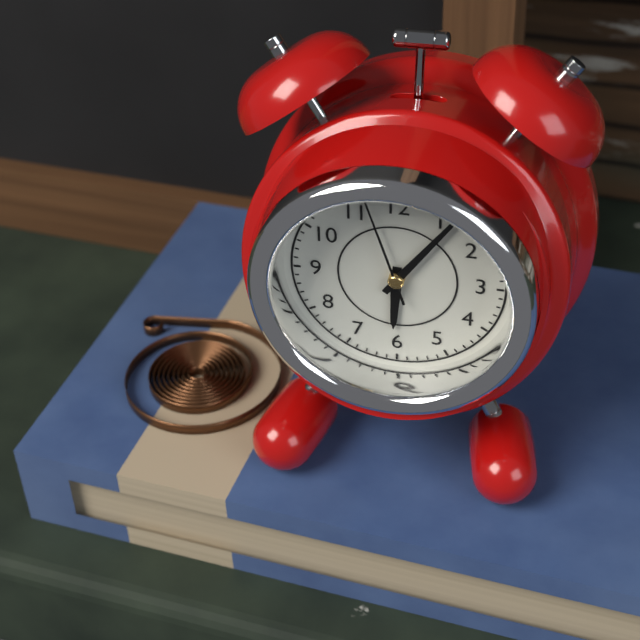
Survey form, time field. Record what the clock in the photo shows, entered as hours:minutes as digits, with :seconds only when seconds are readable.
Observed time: 6:06:57
